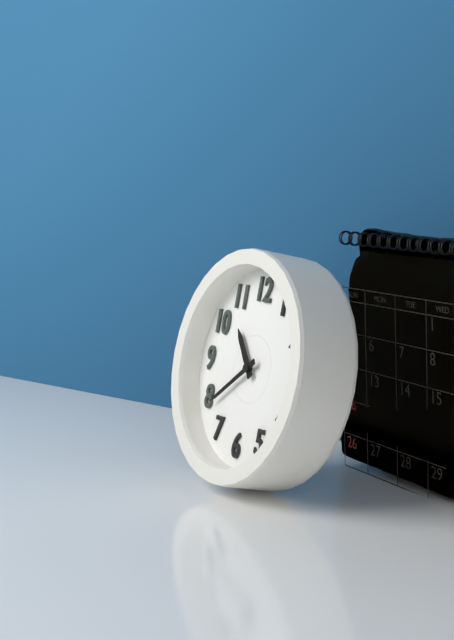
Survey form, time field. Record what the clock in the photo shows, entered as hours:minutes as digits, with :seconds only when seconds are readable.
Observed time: 10:39
